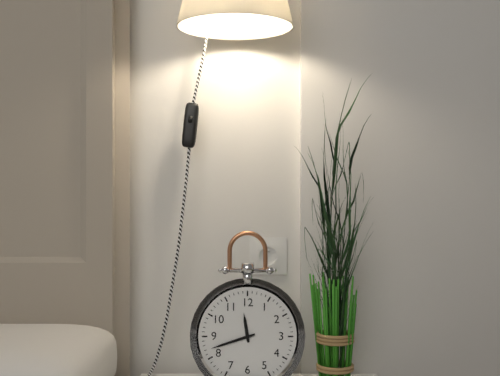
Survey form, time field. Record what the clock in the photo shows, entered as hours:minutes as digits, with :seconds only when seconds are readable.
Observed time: 11:42
